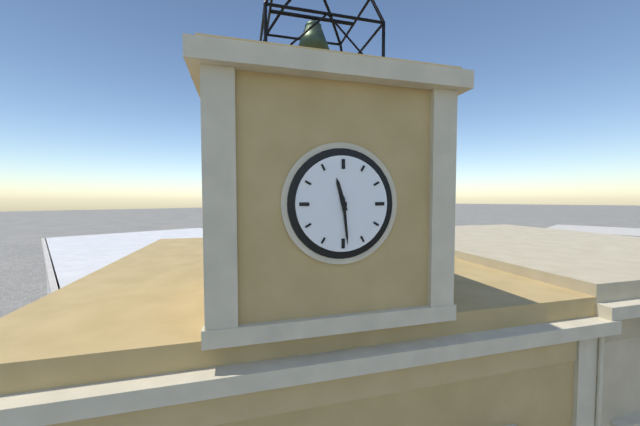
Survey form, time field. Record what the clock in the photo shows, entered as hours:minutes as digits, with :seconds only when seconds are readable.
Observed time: 11:29
